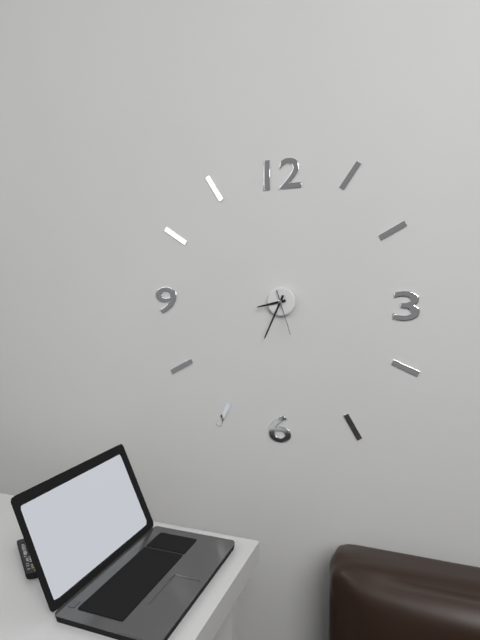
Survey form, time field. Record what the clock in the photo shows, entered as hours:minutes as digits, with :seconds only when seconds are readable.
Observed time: 8:34
